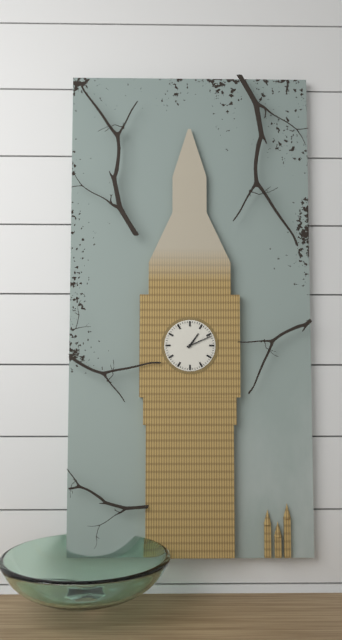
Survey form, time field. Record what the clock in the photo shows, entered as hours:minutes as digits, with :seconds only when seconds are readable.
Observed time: 1:11
